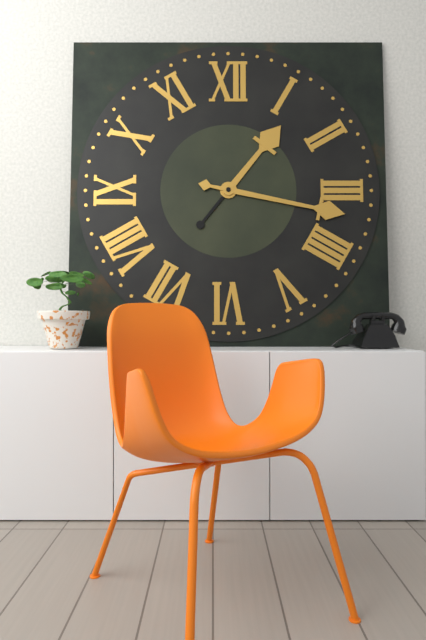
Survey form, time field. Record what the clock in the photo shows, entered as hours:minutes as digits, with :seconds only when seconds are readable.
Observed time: 1:17
